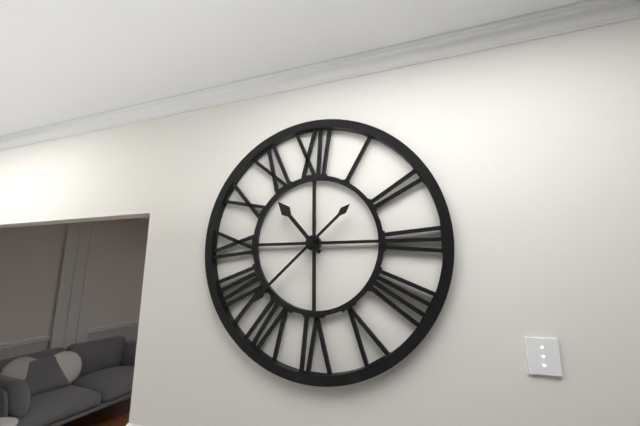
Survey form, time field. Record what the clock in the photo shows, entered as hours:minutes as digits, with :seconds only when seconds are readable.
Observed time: 10:38
